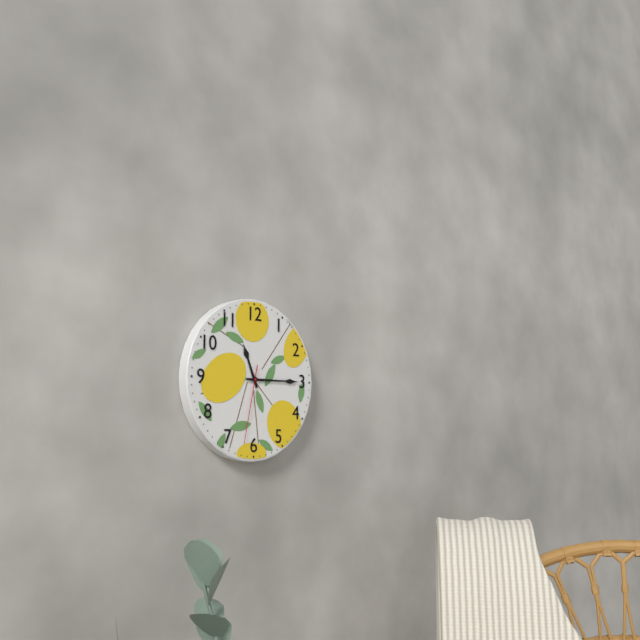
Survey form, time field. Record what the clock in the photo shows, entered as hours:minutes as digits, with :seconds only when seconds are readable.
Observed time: 11:15:32
